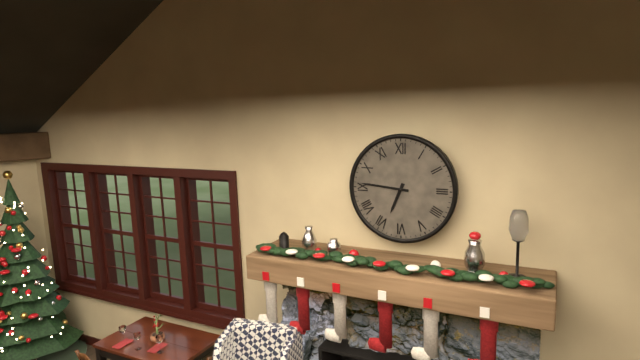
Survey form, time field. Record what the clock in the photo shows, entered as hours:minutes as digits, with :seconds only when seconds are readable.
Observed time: 6:46
